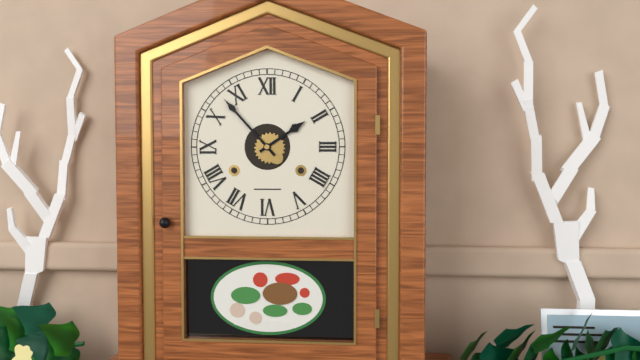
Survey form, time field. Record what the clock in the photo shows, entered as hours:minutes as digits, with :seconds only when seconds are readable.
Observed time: 1:53
